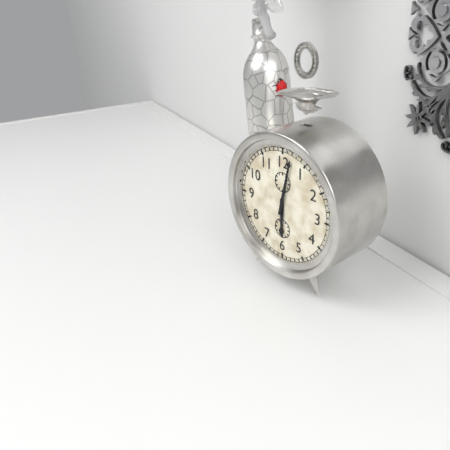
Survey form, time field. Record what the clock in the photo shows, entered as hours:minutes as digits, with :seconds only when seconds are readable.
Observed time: 6:02
